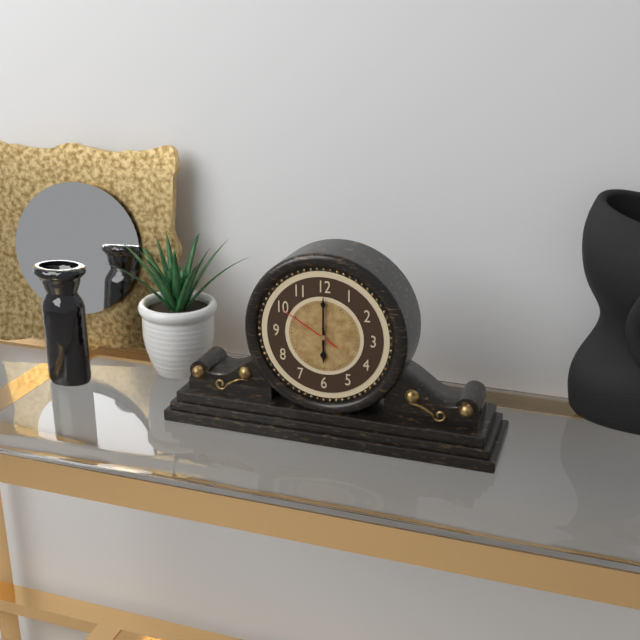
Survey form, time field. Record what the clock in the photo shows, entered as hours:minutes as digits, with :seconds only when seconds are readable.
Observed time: 6:00:50
